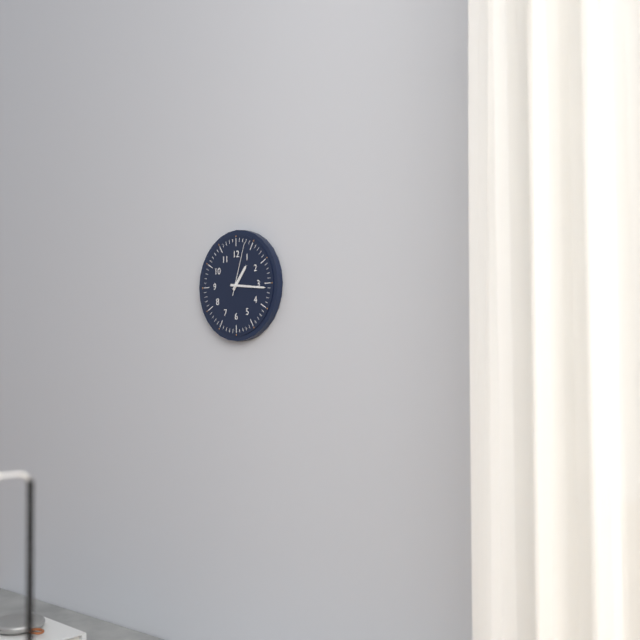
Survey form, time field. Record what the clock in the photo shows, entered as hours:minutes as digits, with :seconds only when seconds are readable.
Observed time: 1:16:03
